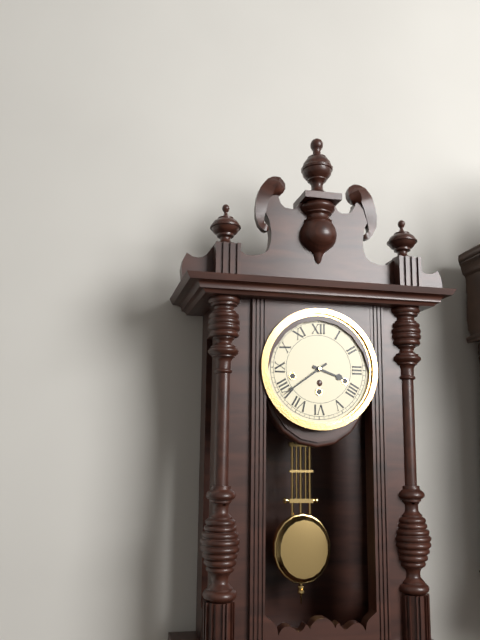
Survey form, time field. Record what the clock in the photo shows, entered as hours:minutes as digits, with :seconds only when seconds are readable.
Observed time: 3:39
